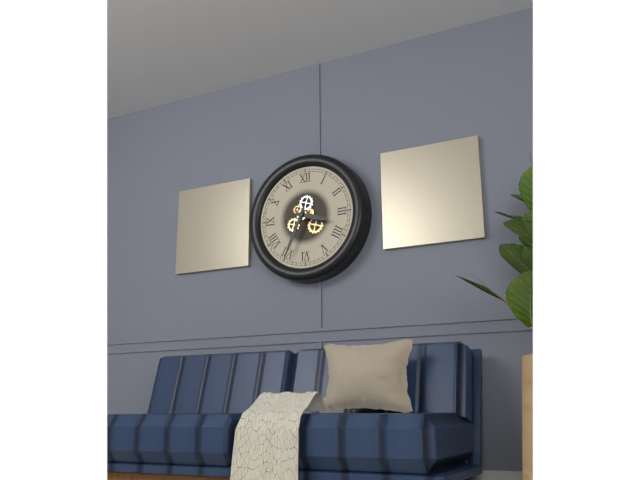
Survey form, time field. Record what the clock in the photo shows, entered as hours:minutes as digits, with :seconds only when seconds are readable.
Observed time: 3:34
